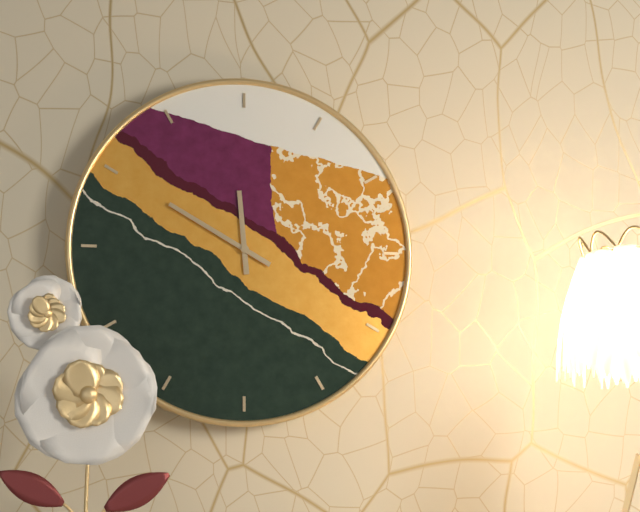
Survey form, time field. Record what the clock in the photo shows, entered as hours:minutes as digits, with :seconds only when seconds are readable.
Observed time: 11:50
